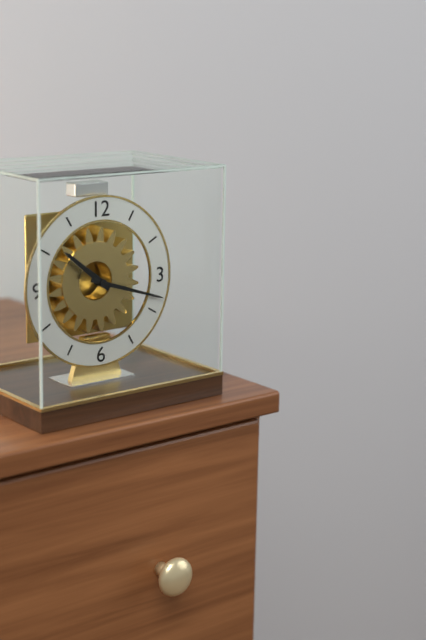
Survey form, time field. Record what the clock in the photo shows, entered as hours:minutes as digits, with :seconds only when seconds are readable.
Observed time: 10:18
